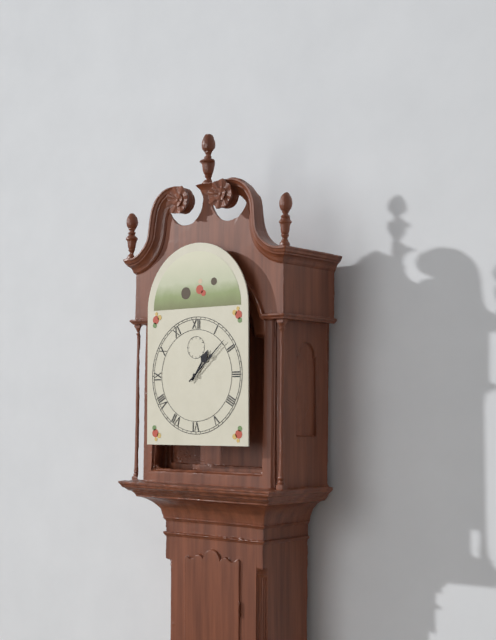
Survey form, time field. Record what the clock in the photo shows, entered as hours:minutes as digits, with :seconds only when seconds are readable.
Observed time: 1:08
